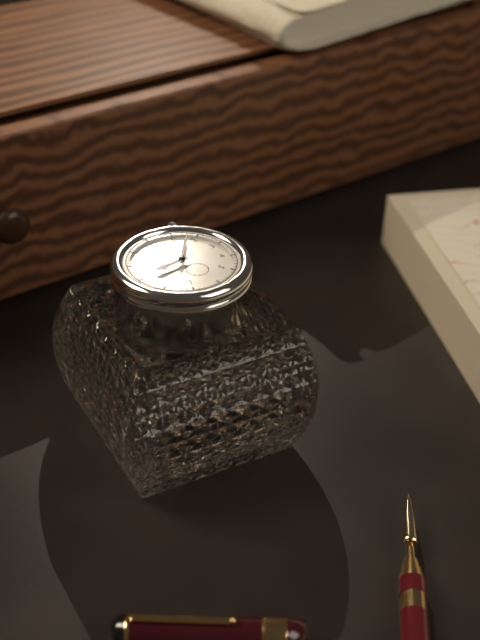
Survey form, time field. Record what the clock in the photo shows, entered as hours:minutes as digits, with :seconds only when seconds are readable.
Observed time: 9:08
